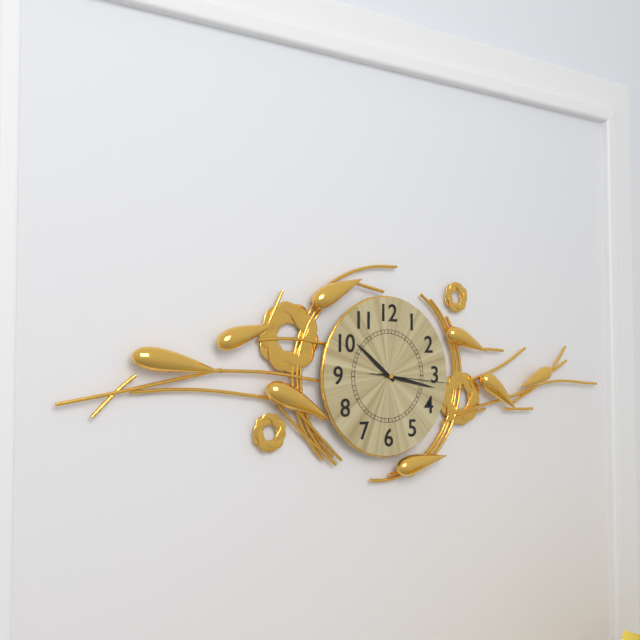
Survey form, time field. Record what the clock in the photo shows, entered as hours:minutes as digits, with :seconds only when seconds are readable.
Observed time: 10:17:16
